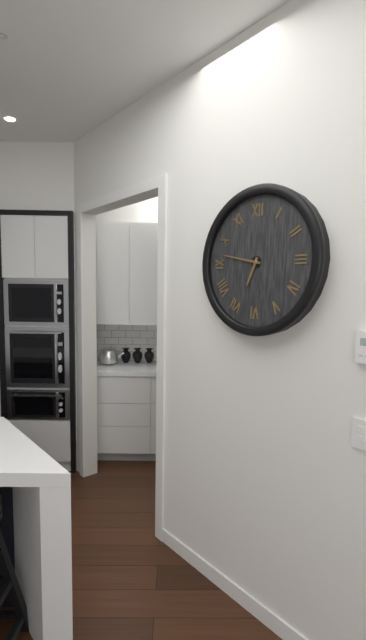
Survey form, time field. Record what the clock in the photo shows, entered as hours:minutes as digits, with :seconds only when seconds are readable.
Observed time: 6:47
